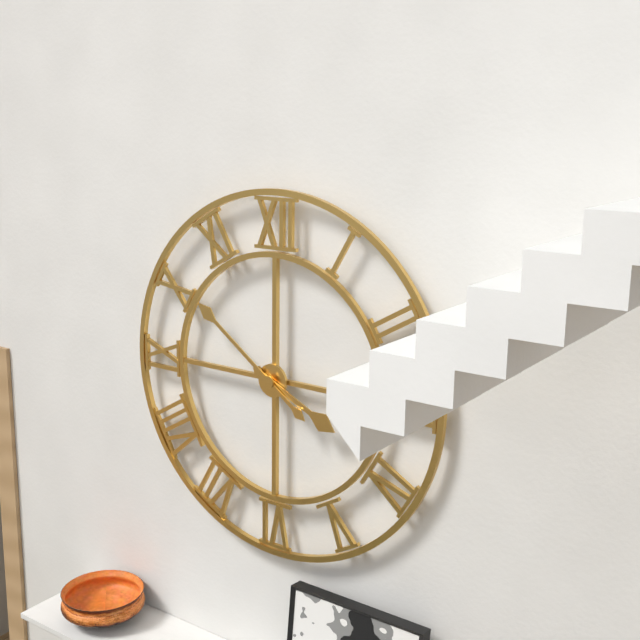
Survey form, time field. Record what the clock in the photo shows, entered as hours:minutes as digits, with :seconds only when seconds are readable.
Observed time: 3:51
